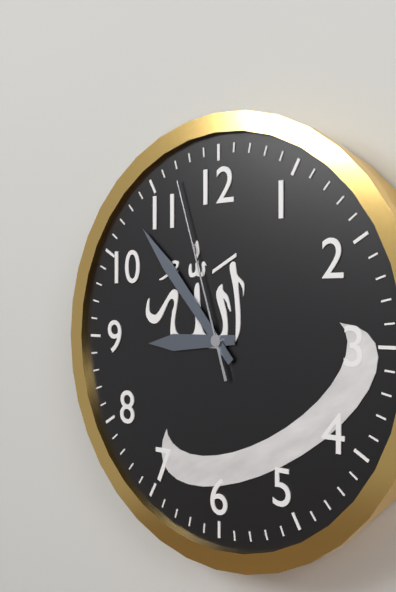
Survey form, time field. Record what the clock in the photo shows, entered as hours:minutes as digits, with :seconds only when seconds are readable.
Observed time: 8:53:57
